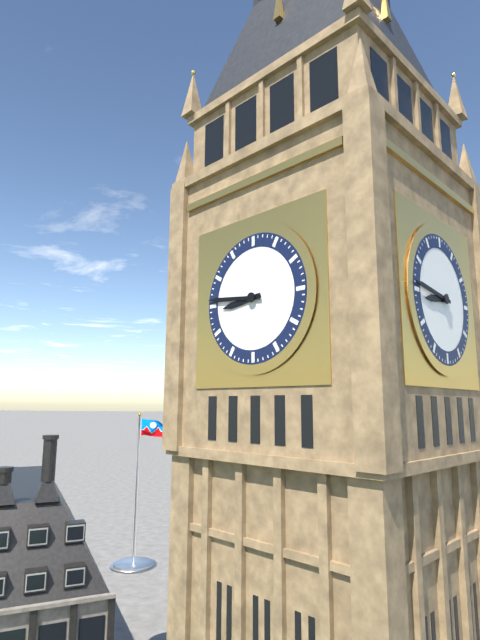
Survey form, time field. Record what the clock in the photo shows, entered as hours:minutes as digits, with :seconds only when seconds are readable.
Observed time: 8:46
